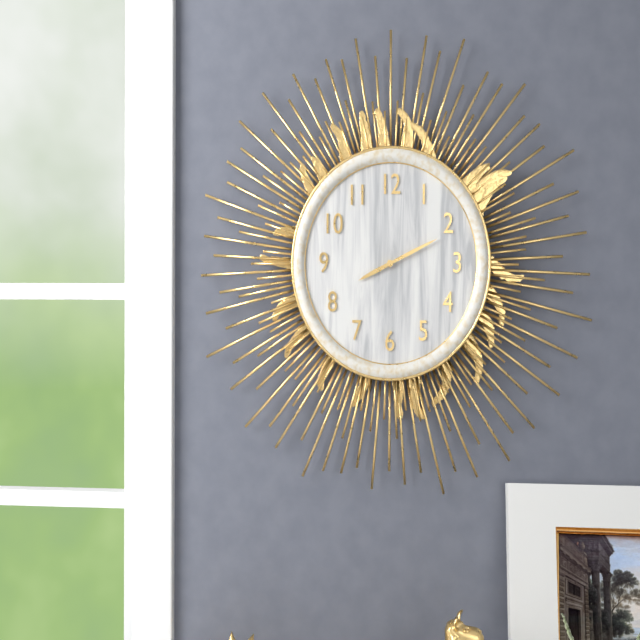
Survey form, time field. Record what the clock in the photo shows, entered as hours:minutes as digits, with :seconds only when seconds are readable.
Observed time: 8:11
